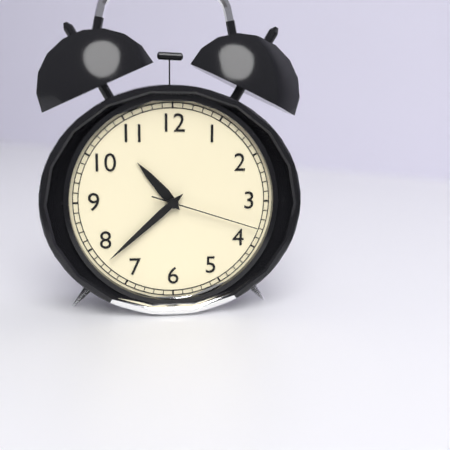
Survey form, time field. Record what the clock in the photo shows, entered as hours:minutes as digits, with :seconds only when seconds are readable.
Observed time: 10:38:18
